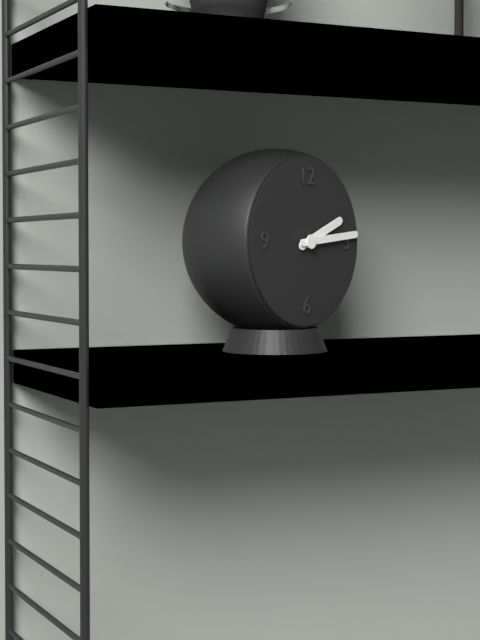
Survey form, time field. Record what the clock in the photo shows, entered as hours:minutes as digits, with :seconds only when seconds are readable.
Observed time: 2:14
